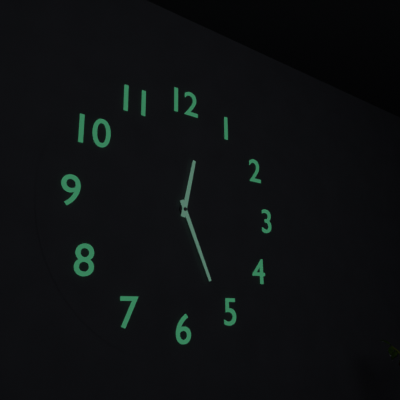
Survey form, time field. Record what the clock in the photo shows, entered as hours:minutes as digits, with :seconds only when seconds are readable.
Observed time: 12:26
